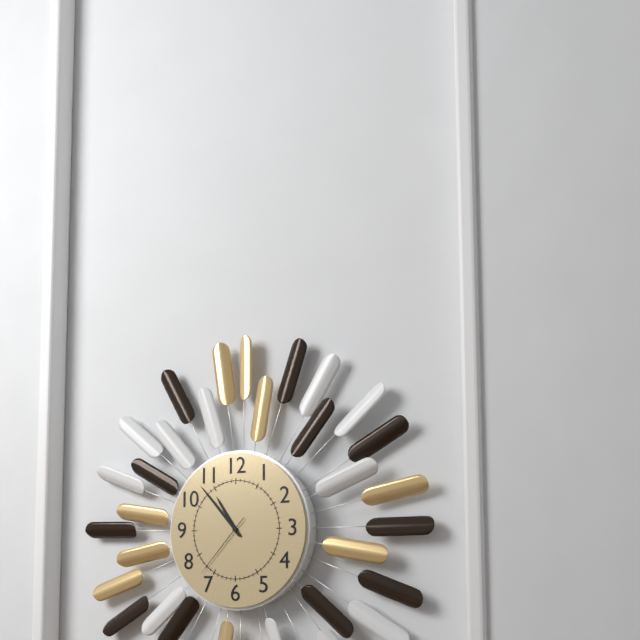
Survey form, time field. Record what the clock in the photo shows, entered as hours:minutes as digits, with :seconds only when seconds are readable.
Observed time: 10:53:37
